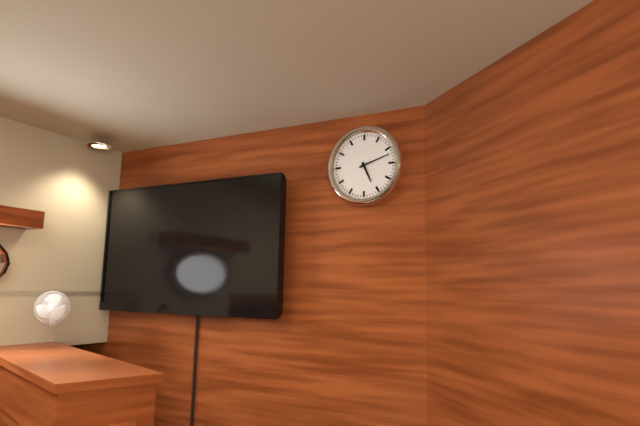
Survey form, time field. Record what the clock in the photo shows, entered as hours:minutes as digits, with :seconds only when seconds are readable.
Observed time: 5:12
